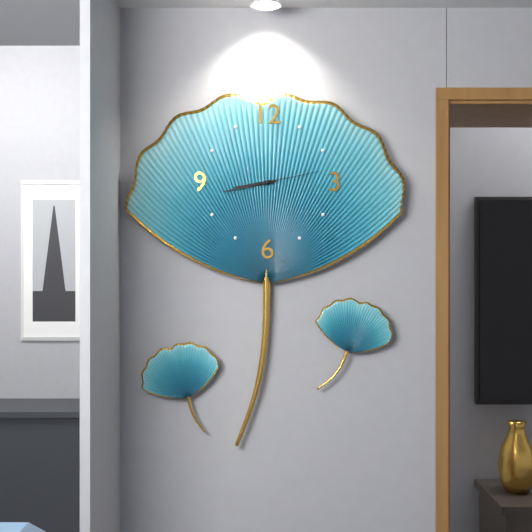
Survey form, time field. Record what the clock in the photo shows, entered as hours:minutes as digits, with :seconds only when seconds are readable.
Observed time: 8:43:13
